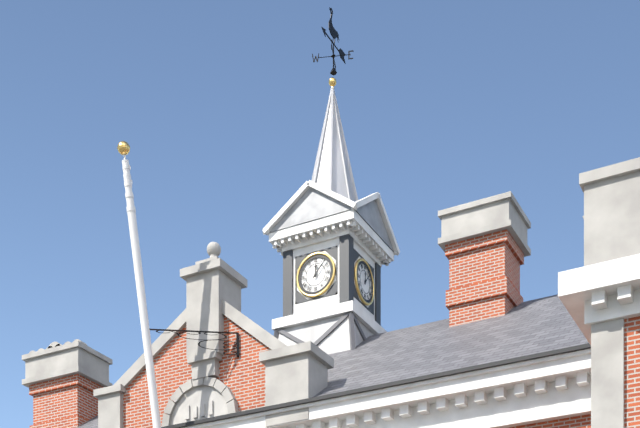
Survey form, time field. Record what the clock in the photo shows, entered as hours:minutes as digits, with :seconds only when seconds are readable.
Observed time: 12:07
